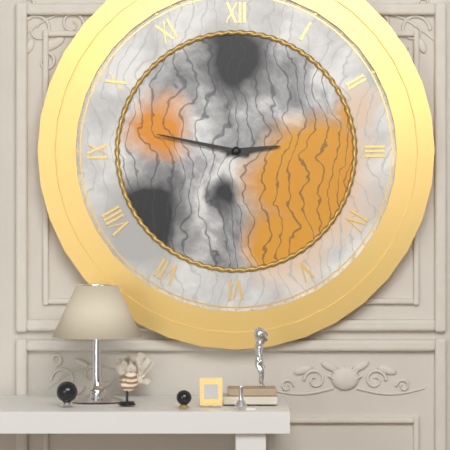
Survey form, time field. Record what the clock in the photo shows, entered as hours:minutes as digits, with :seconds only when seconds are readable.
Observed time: 2:47
